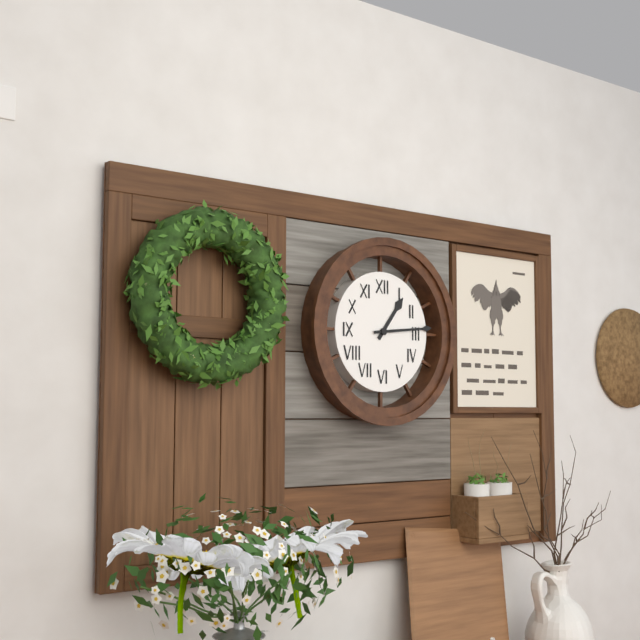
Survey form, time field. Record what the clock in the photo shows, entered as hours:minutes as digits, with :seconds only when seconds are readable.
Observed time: 1:14
